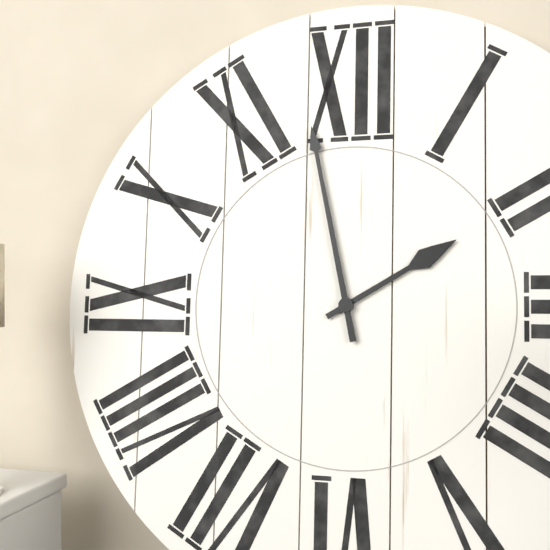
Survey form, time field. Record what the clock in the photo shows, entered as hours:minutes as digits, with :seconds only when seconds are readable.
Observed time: 1:58
